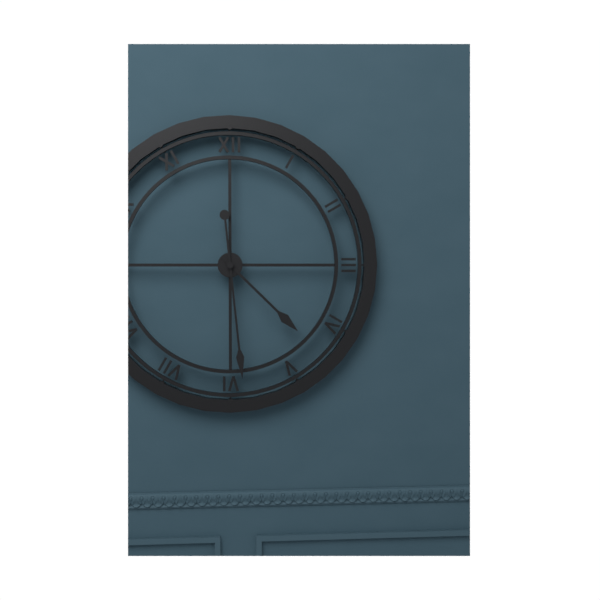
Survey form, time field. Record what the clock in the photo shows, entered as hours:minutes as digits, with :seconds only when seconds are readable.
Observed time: 4:29
